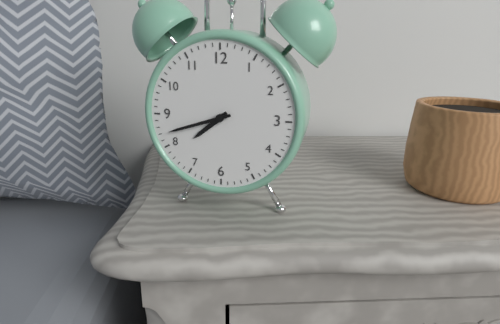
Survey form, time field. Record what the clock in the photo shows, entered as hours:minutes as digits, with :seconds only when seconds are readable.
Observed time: 7:42
